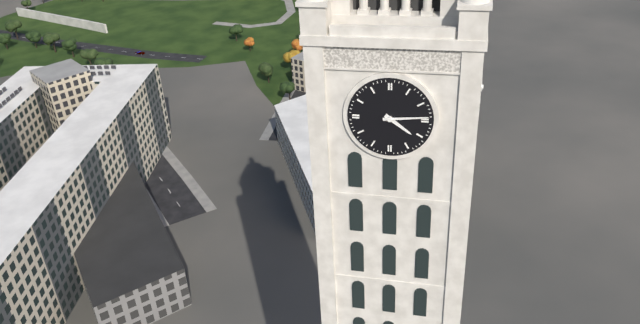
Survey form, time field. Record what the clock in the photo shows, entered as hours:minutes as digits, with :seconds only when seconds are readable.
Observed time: 4:14
